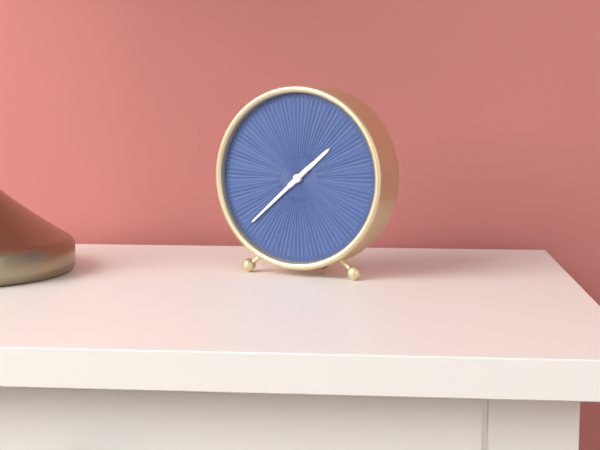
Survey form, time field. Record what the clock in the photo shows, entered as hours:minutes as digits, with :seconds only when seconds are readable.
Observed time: 1:38
